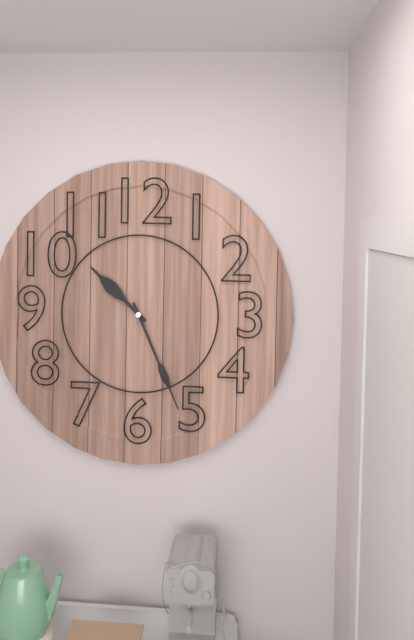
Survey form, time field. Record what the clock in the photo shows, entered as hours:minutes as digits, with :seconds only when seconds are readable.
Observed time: 10:26
